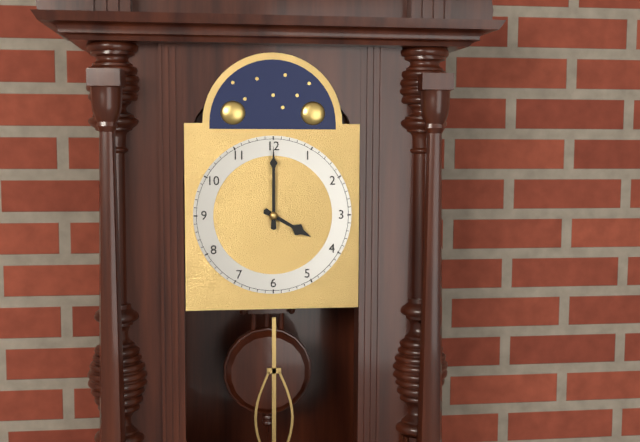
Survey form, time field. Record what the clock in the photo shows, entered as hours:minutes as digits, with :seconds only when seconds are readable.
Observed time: 4:00
